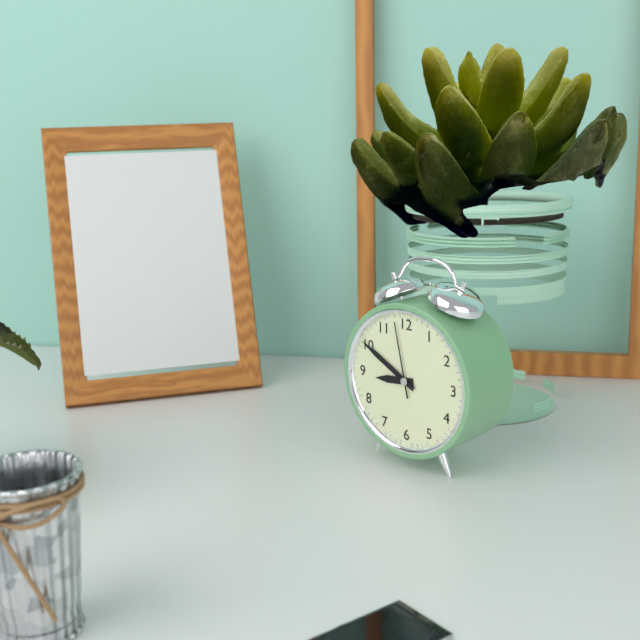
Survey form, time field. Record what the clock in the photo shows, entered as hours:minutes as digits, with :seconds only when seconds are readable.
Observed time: 8:50:58
